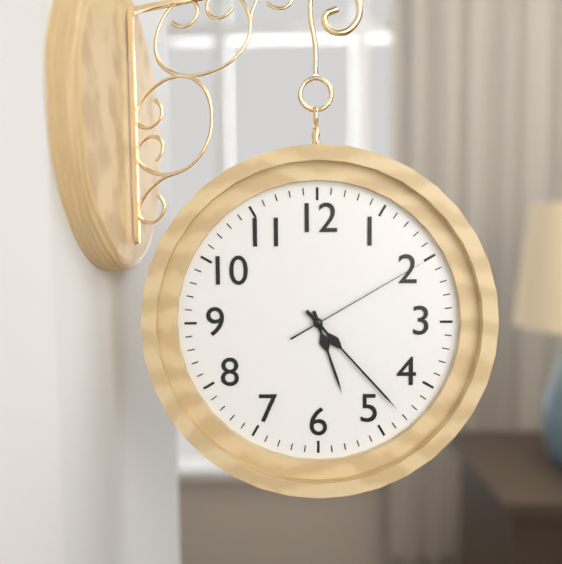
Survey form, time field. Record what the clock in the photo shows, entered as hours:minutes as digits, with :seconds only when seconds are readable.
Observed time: 5:23:10
